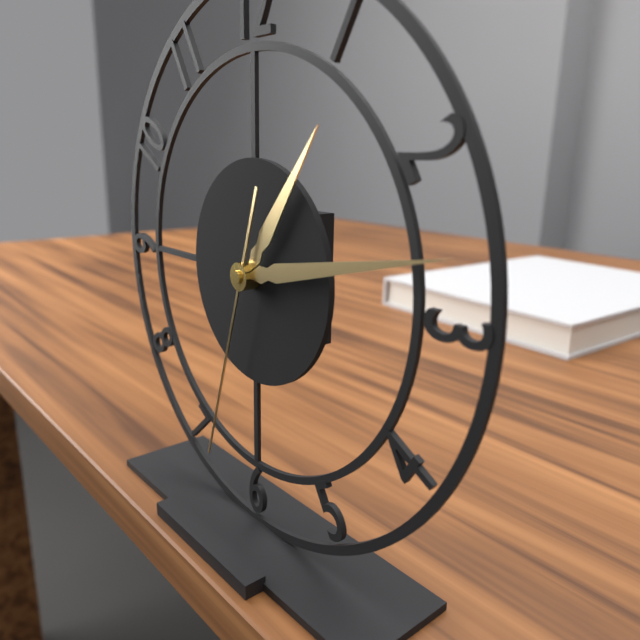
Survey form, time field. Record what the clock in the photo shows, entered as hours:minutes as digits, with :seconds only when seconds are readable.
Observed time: 1:13:33
